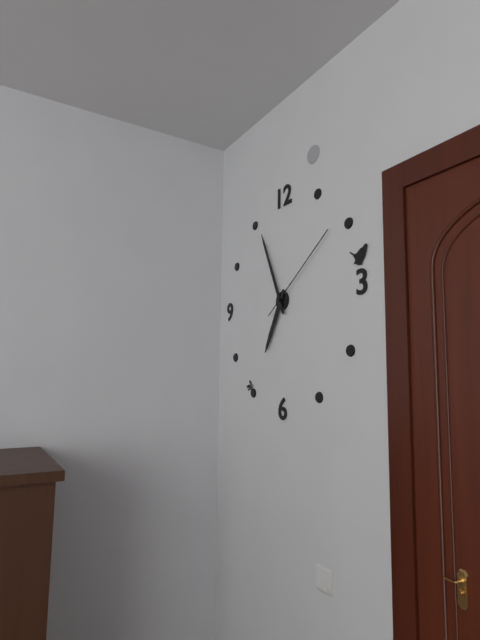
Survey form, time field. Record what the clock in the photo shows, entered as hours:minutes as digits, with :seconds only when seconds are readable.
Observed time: 6:56:09
